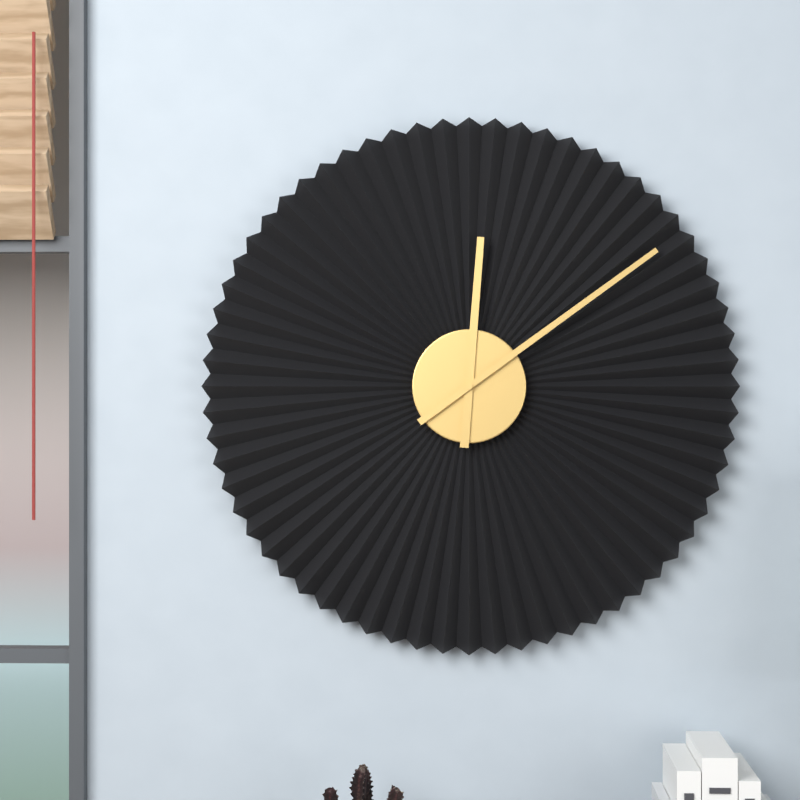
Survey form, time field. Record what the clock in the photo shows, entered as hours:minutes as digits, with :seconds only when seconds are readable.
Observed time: 12:09
